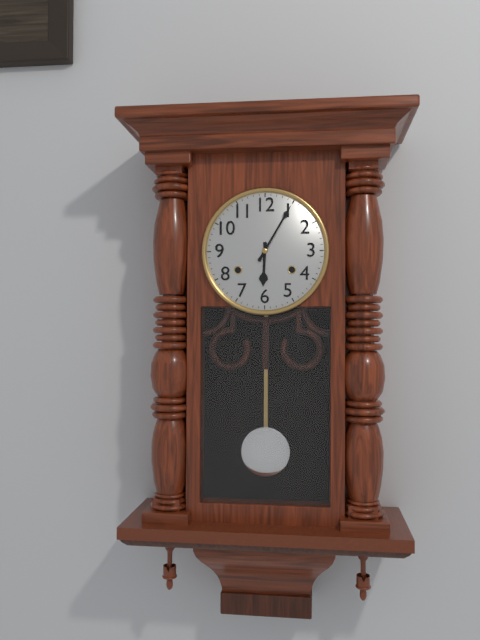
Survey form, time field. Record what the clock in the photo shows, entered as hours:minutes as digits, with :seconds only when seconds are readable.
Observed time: 6:05
